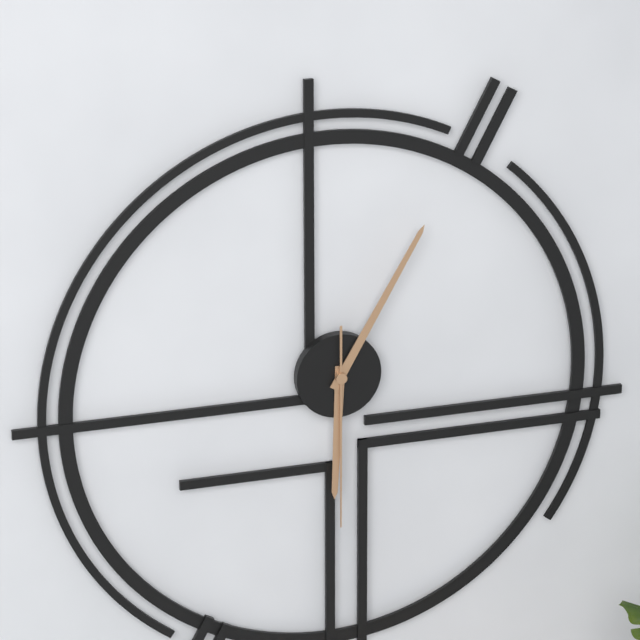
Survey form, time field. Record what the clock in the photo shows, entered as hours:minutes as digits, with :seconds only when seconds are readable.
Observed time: 6:05:30
